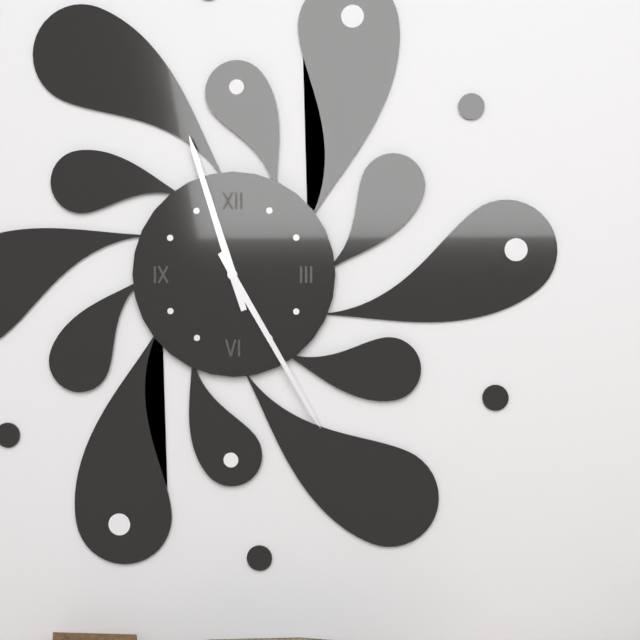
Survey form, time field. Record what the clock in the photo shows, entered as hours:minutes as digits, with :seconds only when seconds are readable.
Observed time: 11:25
